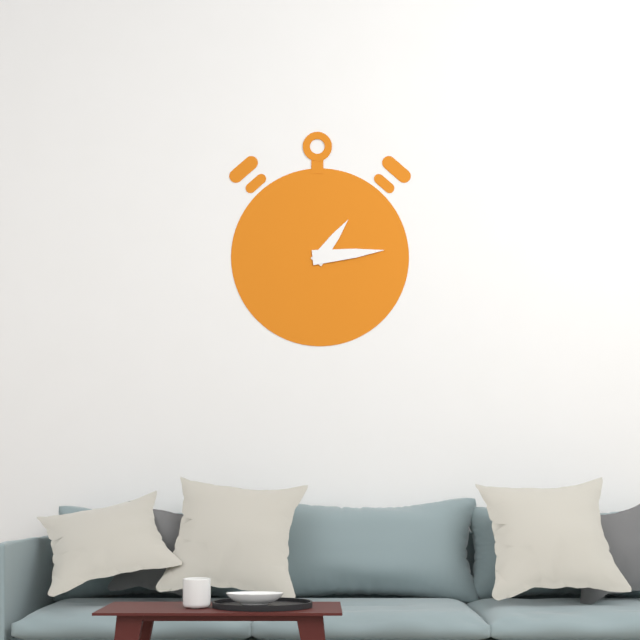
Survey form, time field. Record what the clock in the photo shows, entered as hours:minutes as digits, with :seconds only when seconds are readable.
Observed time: 1:14
